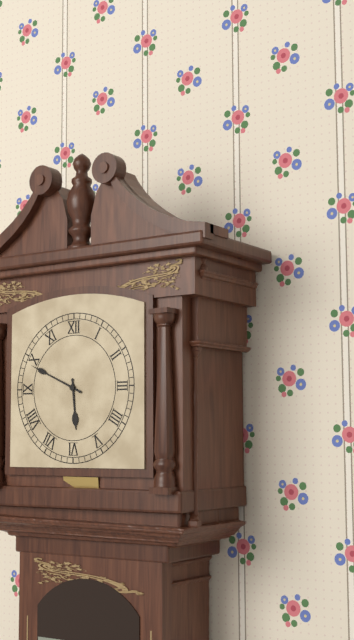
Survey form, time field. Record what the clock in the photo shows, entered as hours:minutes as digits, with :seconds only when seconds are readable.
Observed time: 5:49
